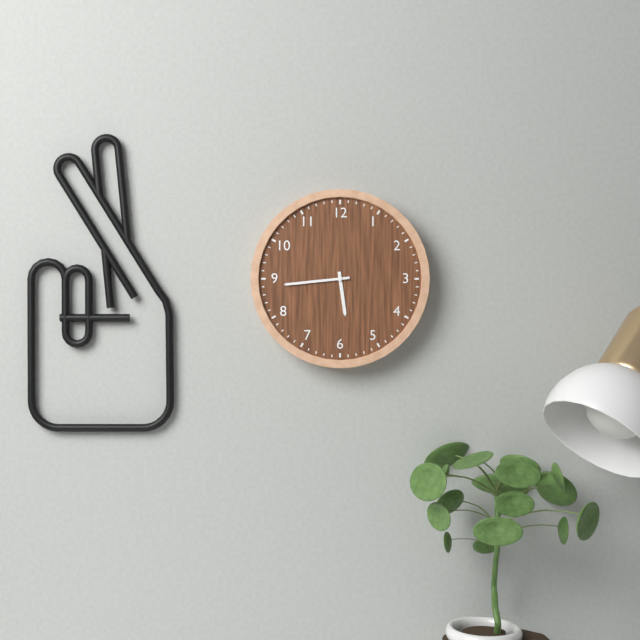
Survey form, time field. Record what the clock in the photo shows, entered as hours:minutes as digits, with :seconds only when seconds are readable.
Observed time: 5:44
